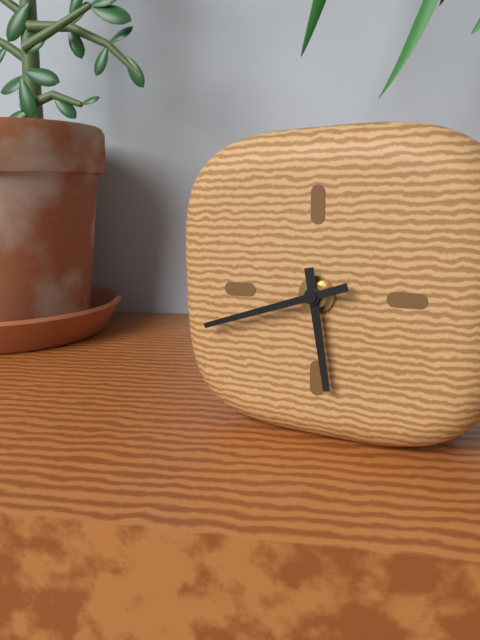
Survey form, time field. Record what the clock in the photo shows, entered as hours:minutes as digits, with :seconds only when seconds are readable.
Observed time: 5:42
